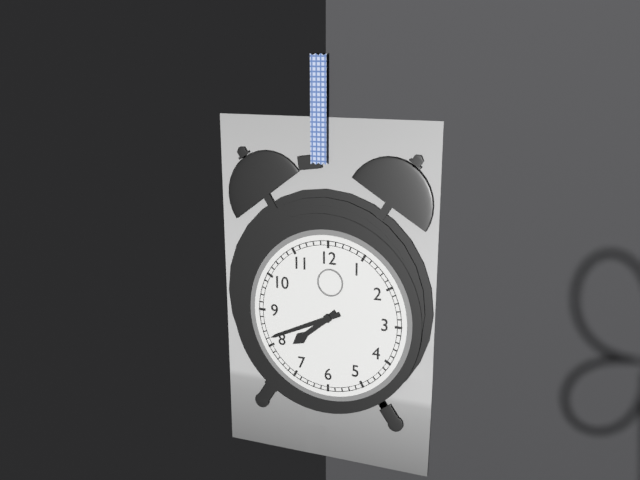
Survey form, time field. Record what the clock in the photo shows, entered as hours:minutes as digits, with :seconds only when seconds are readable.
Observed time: 7:41
